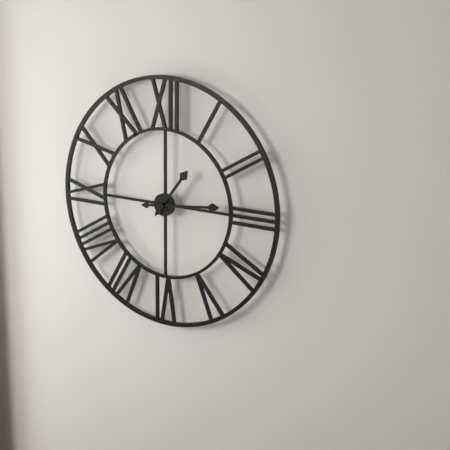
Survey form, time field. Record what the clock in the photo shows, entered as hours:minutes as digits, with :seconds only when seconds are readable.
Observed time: 1:14
